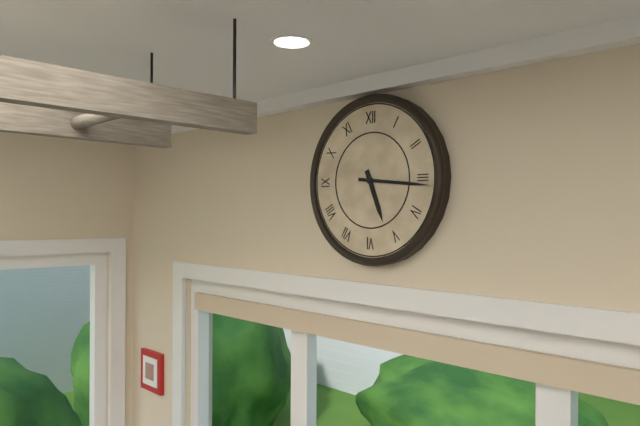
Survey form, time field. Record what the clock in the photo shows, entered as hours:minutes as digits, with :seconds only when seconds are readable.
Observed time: 5:16
